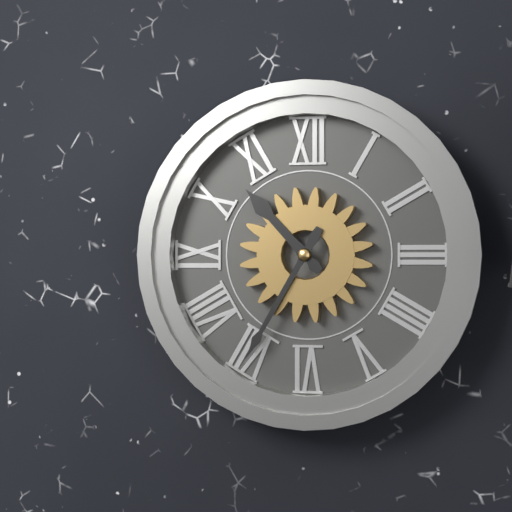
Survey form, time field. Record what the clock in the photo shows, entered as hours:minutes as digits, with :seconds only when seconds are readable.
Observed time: 10:35
